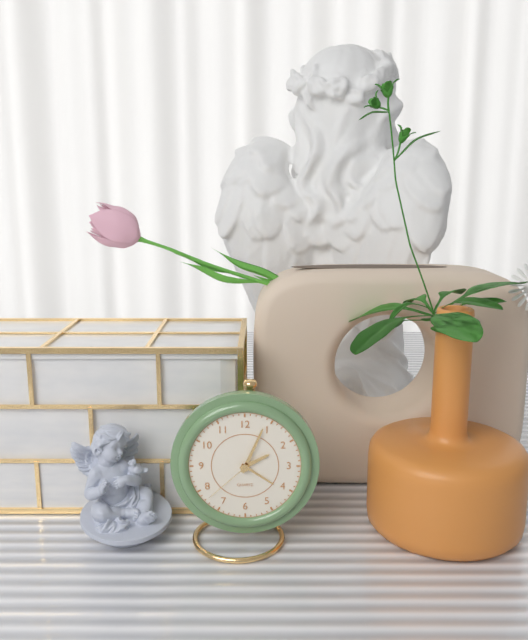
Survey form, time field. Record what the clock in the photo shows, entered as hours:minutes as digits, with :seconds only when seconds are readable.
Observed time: 2:04:38
